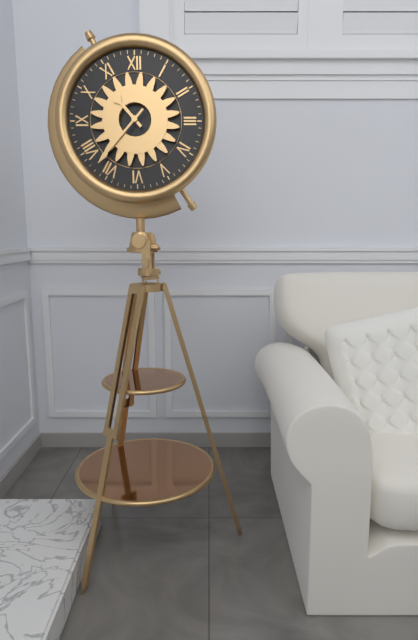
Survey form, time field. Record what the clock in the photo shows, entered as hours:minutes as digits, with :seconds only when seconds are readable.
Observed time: 10:37
